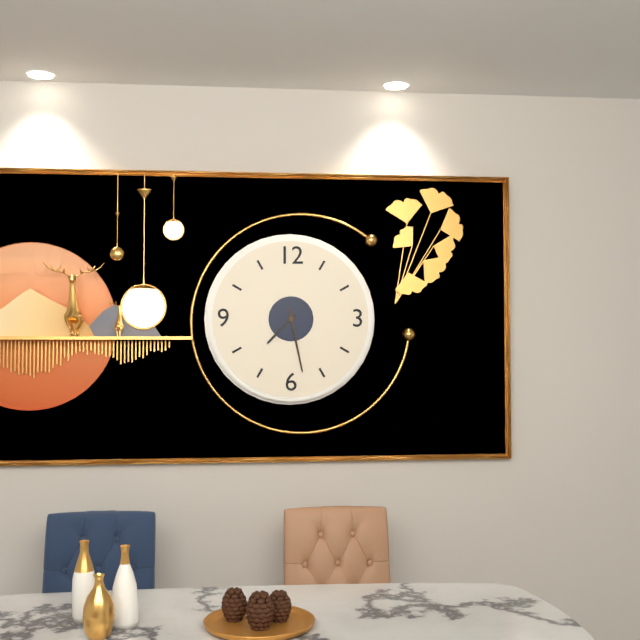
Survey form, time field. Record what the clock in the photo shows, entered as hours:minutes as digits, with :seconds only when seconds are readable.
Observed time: 7:28:28
